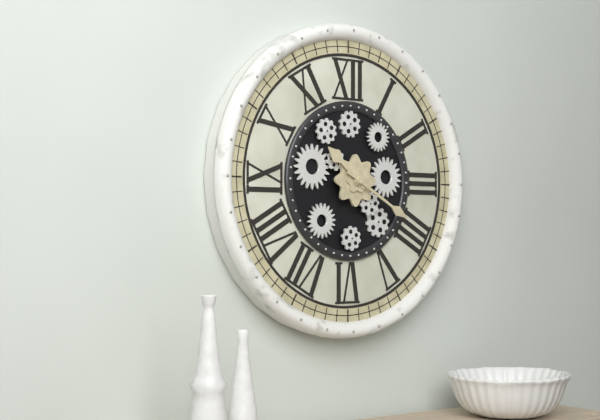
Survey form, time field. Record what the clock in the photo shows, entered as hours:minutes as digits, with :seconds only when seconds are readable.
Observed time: 10:20
